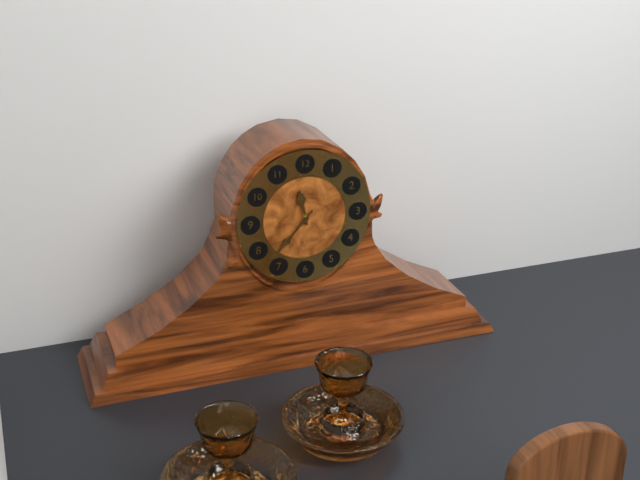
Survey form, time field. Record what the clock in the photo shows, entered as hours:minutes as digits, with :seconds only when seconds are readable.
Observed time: 11:37
